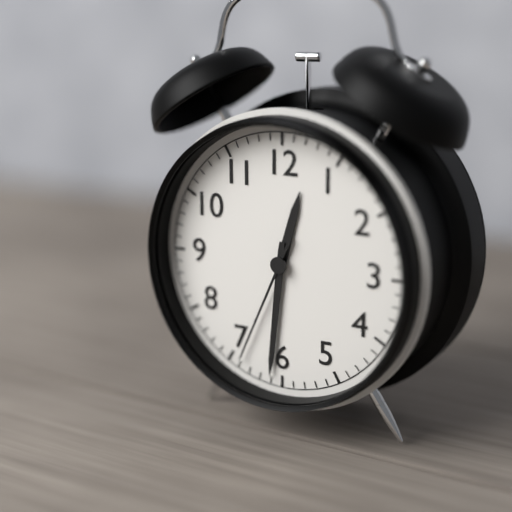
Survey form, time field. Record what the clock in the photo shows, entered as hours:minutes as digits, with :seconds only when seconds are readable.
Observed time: 12:31:34
